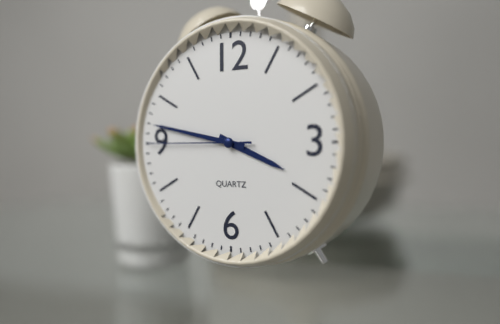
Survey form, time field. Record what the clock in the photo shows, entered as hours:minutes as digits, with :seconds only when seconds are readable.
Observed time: 3:47:45
